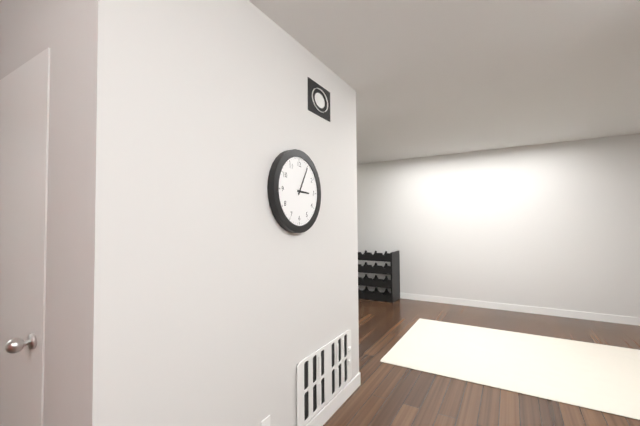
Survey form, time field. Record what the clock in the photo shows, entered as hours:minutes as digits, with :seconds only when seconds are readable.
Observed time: 3:05
